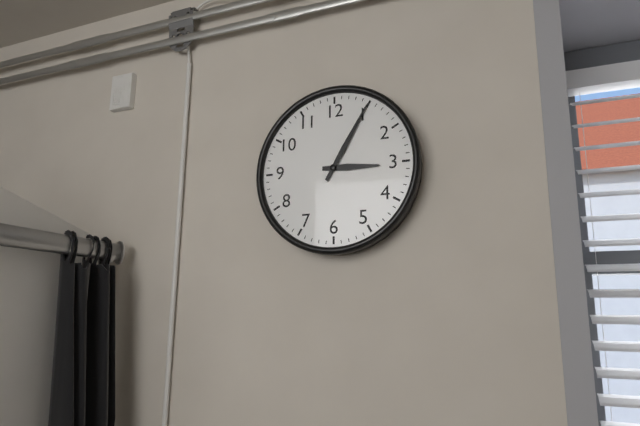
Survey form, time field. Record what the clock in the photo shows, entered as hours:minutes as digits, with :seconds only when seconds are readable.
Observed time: 3:05
